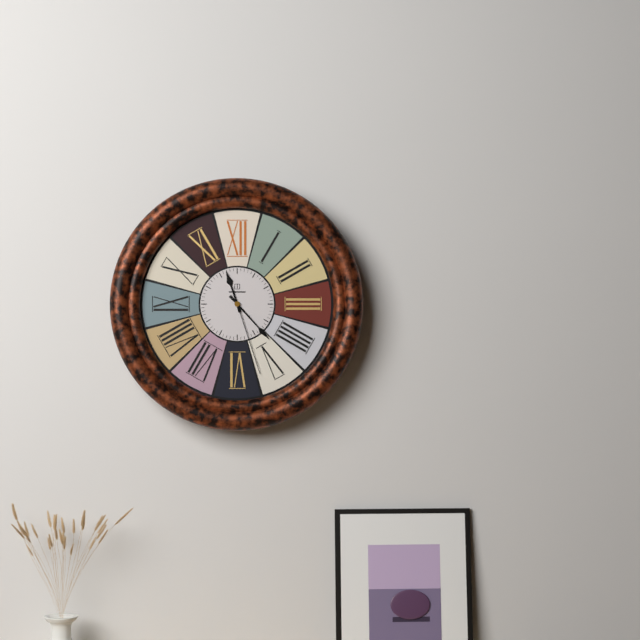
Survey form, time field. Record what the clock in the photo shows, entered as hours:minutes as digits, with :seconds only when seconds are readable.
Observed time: 11:23:27
